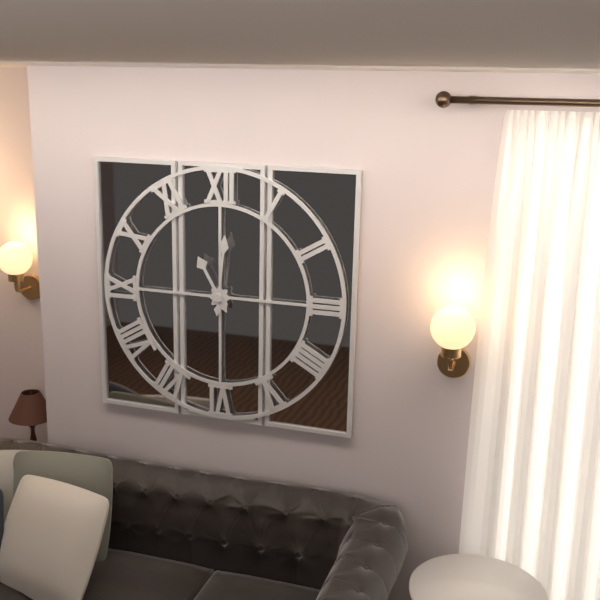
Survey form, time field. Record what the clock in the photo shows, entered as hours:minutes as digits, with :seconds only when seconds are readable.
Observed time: 11:01
